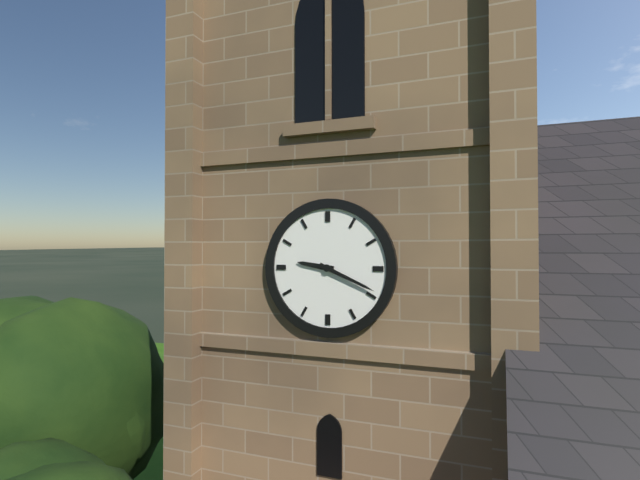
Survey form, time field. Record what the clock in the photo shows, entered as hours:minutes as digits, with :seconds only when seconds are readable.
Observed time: 9:19
